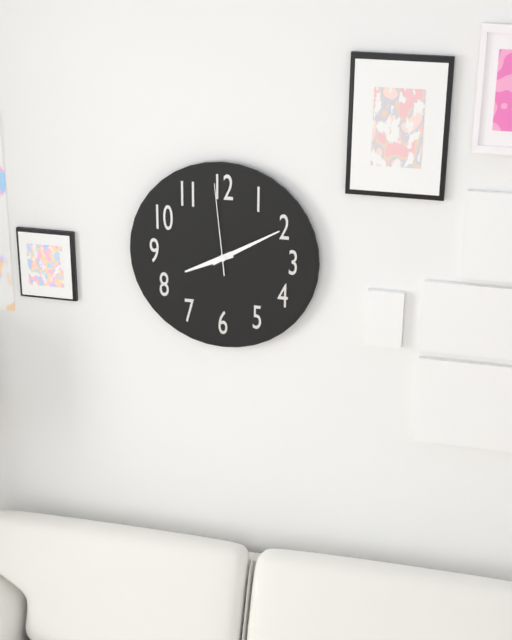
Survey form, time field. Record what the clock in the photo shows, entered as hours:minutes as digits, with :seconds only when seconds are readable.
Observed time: 8:10:59
